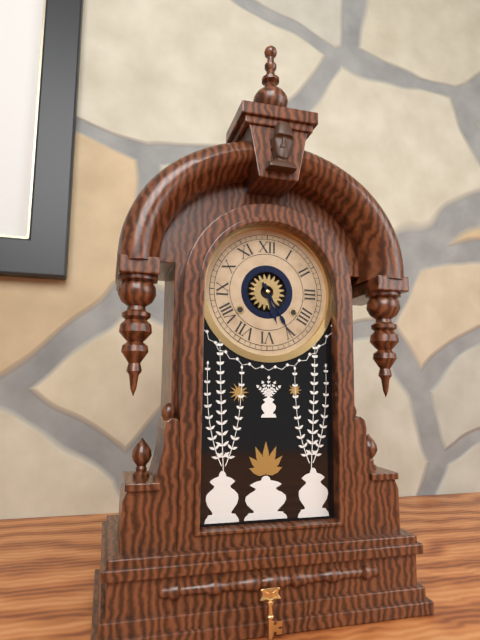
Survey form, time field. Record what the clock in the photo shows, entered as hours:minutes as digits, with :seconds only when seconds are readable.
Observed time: 5:25
